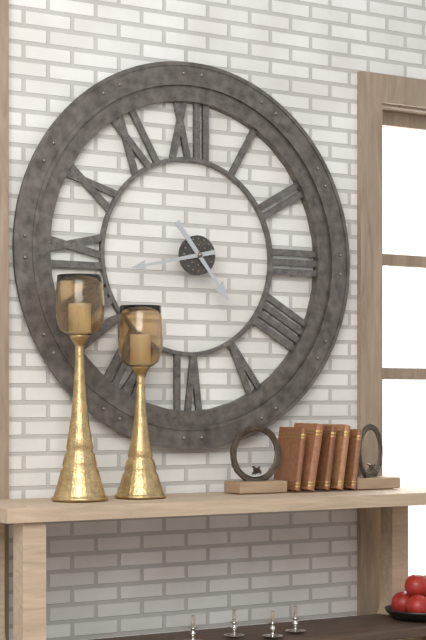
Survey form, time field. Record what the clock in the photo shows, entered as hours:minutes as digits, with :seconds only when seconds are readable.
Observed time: 4:43
